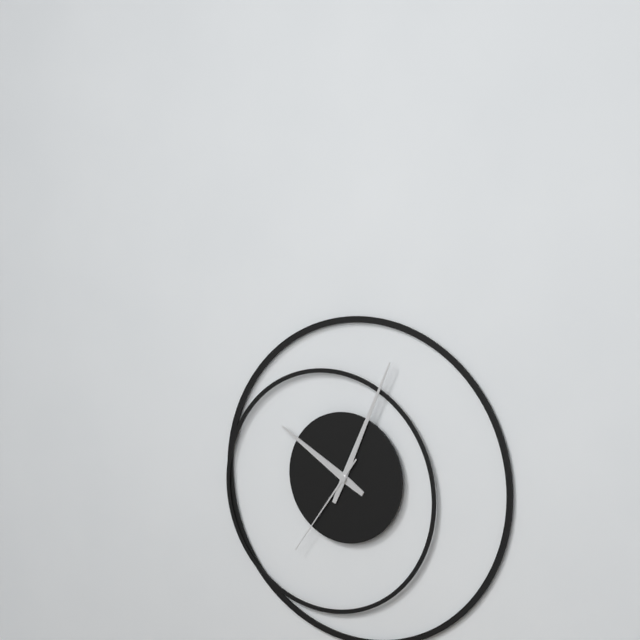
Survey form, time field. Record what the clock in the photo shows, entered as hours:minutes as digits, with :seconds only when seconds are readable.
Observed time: 10:04:36
